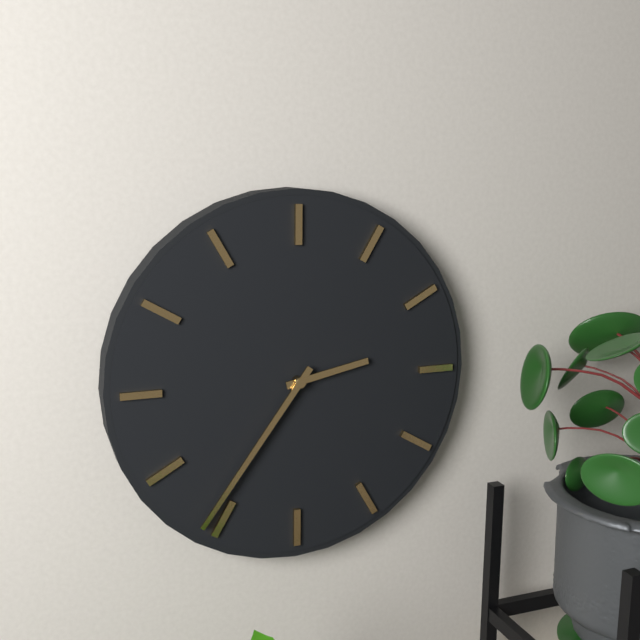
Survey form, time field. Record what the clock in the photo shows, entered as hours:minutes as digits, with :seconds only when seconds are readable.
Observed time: 2:36
